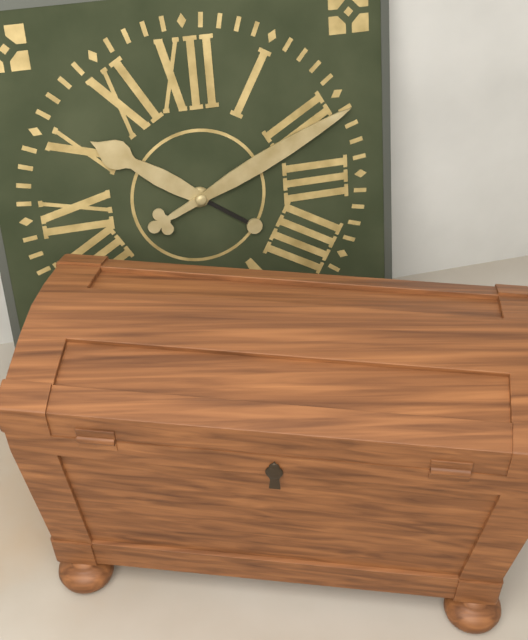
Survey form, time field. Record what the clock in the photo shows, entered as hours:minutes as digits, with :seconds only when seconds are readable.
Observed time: 10:11
